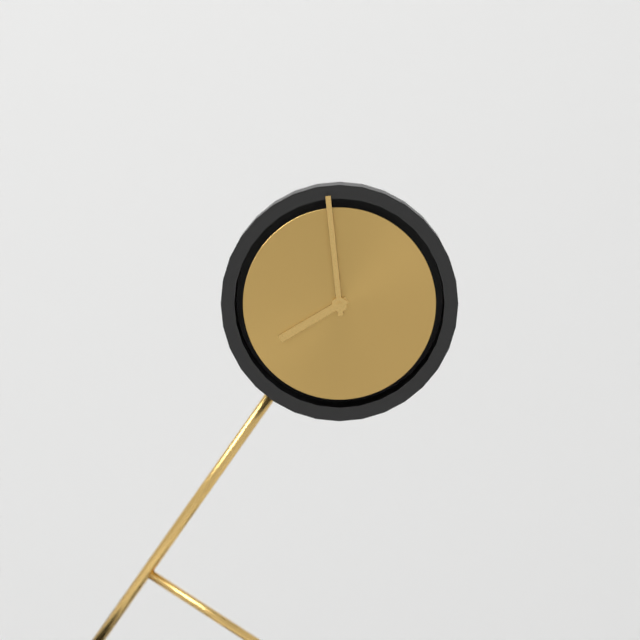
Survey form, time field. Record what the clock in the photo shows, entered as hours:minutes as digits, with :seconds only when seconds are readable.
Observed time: 7:59
